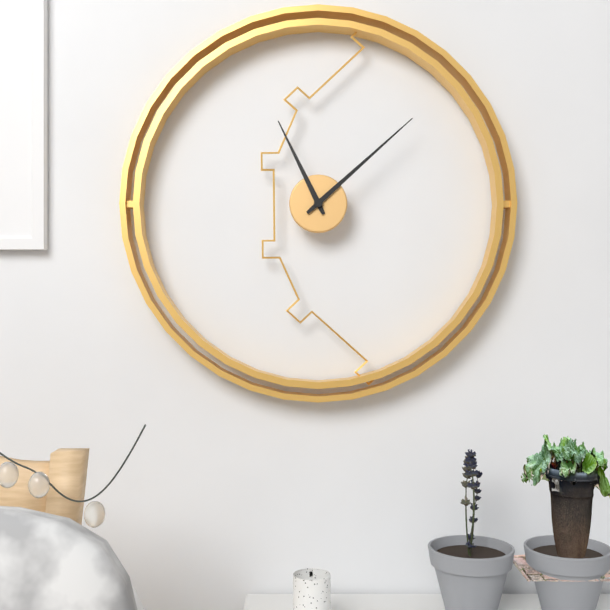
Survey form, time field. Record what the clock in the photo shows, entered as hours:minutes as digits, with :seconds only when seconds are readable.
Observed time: 11:08
